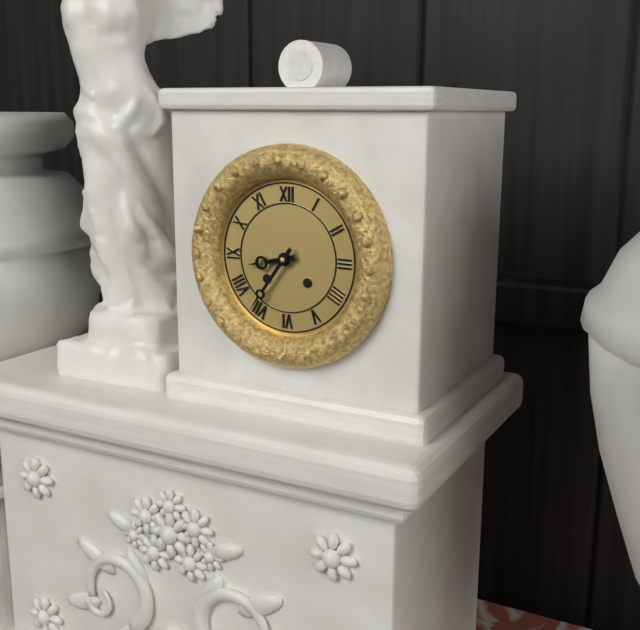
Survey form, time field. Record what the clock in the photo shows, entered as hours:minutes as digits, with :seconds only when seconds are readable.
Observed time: 8:36
